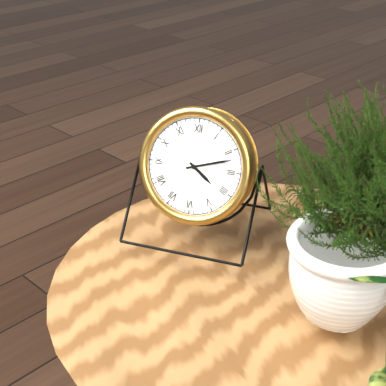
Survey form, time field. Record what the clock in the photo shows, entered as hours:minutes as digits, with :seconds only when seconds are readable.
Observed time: 4:12
